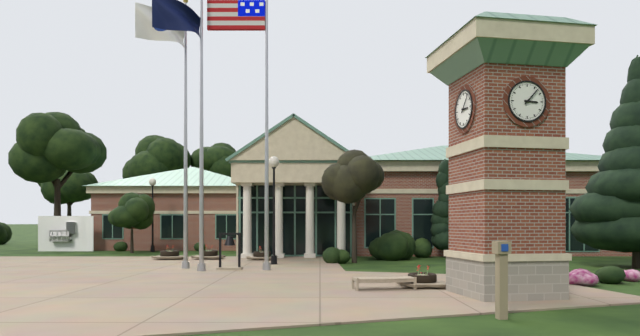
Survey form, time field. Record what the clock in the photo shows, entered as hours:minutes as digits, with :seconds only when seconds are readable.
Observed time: 3:07
